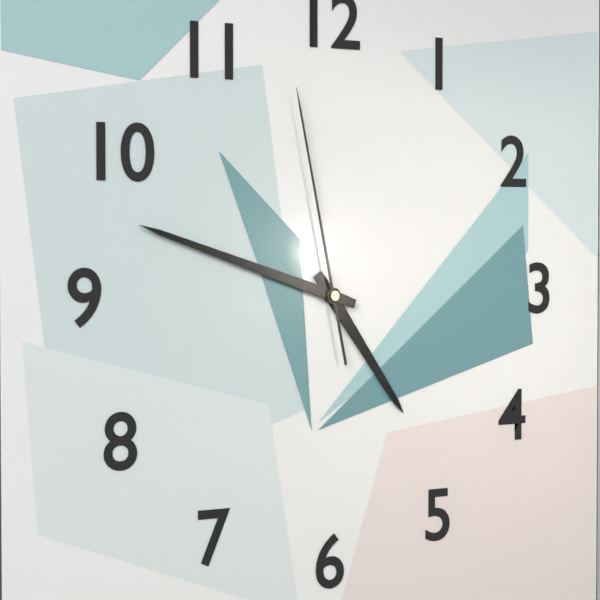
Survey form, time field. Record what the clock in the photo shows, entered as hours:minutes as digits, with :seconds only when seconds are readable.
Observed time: 4:48:58
